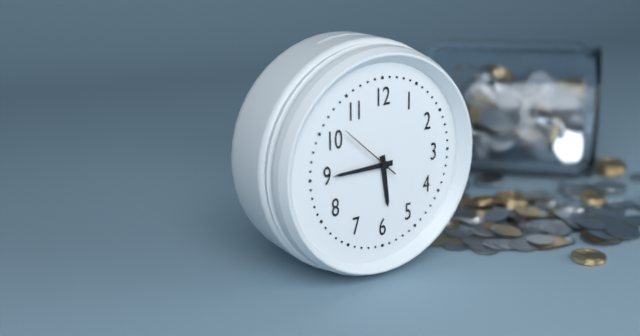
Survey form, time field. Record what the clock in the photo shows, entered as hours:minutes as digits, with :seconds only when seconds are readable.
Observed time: 5:45:52
